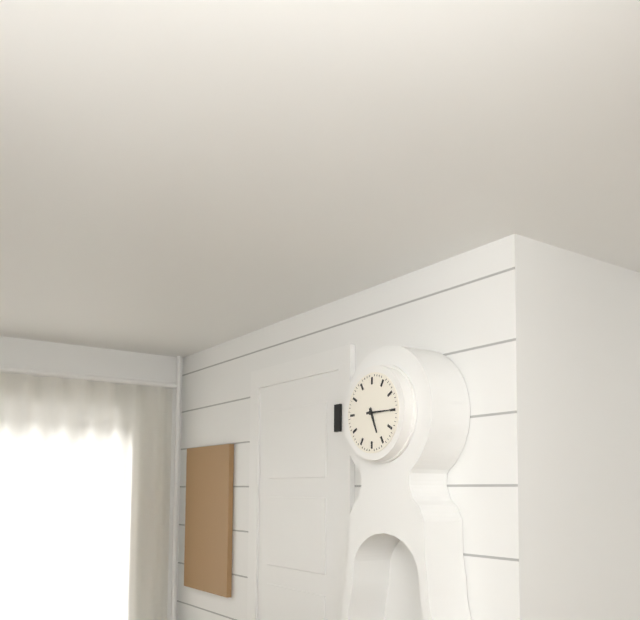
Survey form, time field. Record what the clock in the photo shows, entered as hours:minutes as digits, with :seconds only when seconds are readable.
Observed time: 5:15
